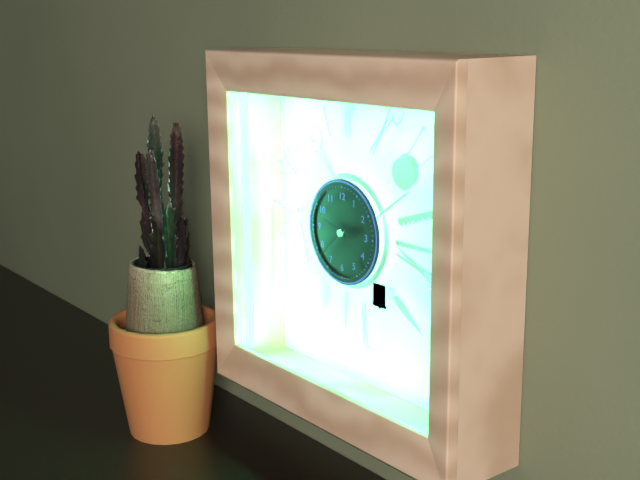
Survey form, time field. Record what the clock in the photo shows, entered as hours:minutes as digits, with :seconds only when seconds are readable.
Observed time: 9:38
